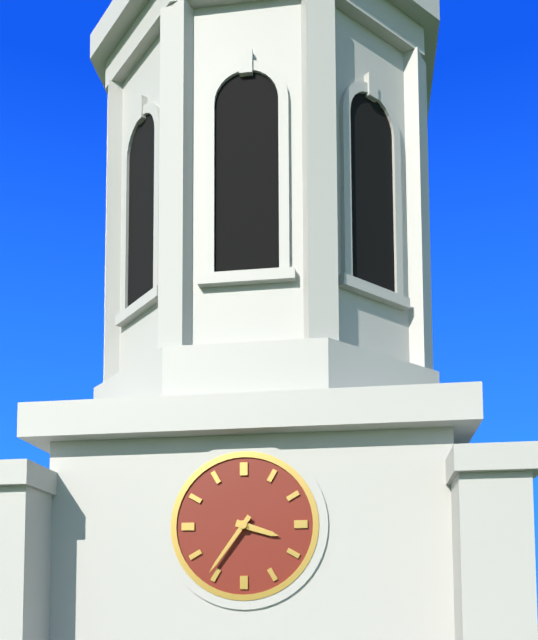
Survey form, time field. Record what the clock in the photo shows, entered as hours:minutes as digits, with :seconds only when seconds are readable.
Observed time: 3:36
